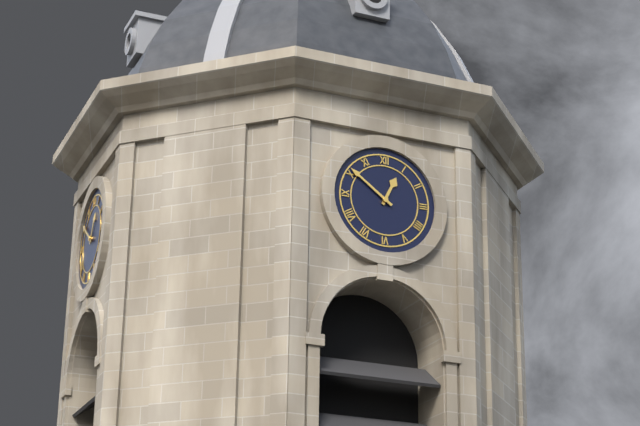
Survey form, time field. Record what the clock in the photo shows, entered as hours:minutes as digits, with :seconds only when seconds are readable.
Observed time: 12:51
